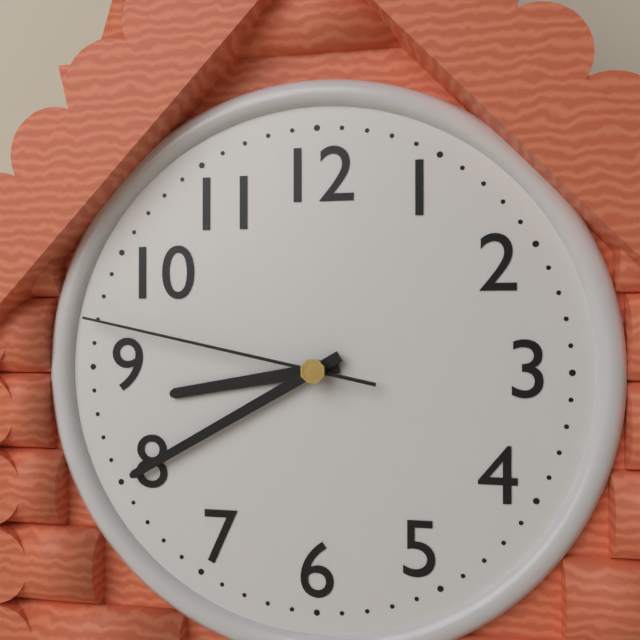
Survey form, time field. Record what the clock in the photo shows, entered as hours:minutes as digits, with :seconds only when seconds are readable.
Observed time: 8:40:47
